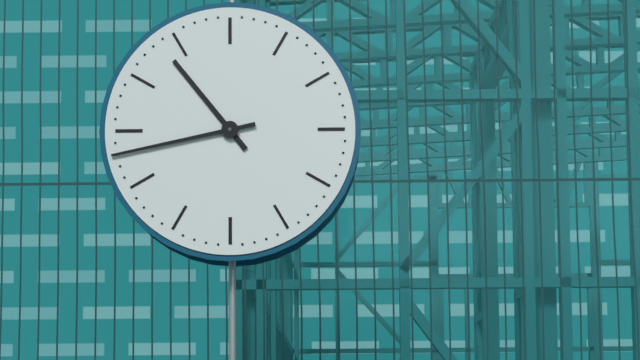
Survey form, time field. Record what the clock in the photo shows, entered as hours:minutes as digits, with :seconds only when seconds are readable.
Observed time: 10:43
